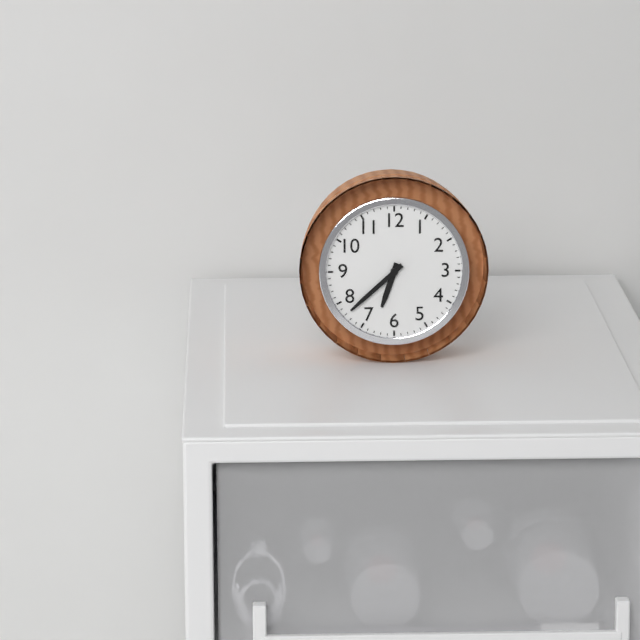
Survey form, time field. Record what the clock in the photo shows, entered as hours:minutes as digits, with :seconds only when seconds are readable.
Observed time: 6:38
